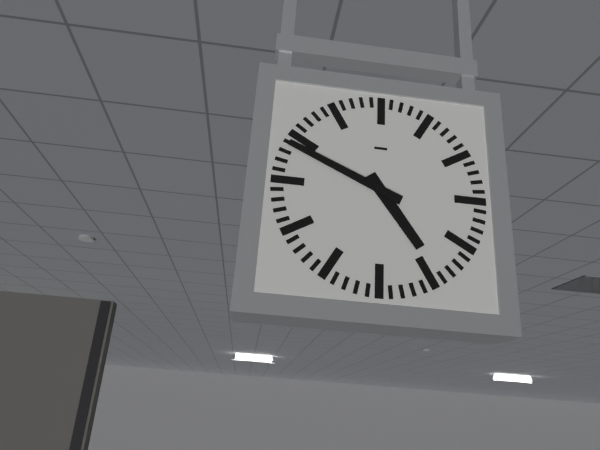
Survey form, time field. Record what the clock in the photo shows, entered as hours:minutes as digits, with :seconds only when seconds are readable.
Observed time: 4:49
